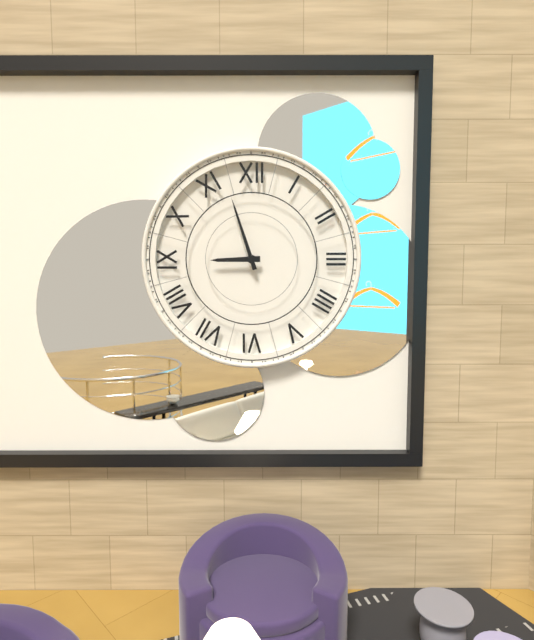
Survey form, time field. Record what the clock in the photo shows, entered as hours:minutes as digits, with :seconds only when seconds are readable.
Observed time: 8:57
